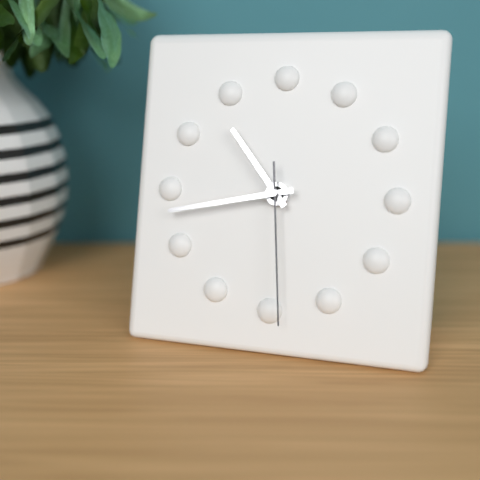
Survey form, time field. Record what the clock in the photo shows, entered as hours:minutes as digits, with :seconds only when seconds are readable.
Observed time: 10:43:29
